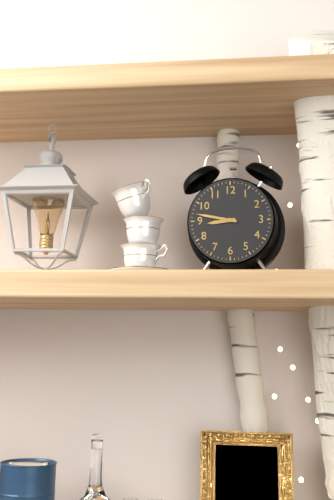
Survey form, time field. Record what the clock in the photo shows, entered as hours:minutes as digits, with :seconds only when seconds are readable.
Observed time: 8:47
